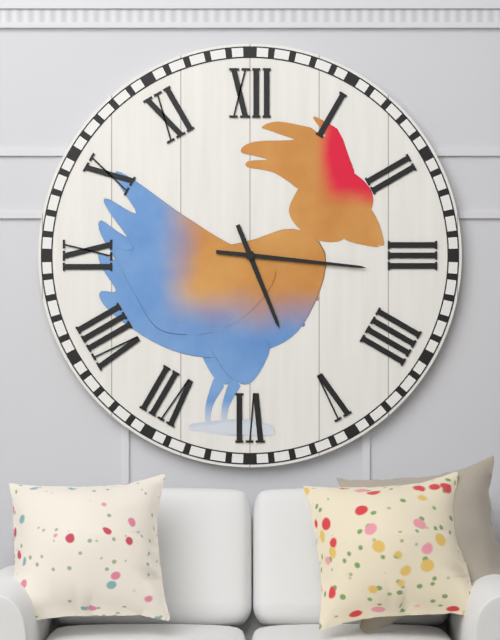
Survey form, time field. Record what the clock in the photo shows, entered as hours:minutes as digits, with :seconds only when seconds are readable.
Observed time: 5:16
